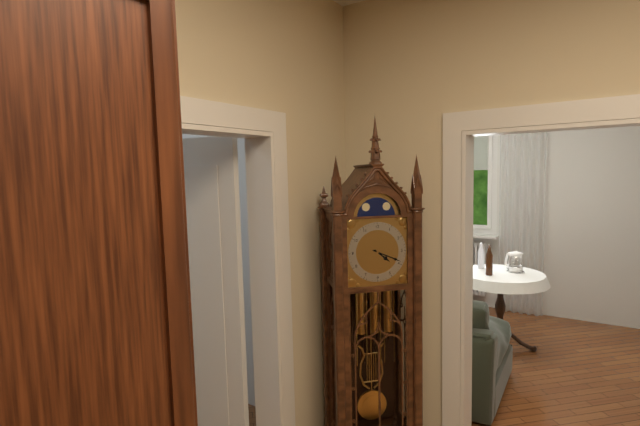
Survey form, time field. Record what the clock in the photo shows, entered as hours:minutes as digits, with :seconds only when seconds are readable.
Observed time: 4:19
